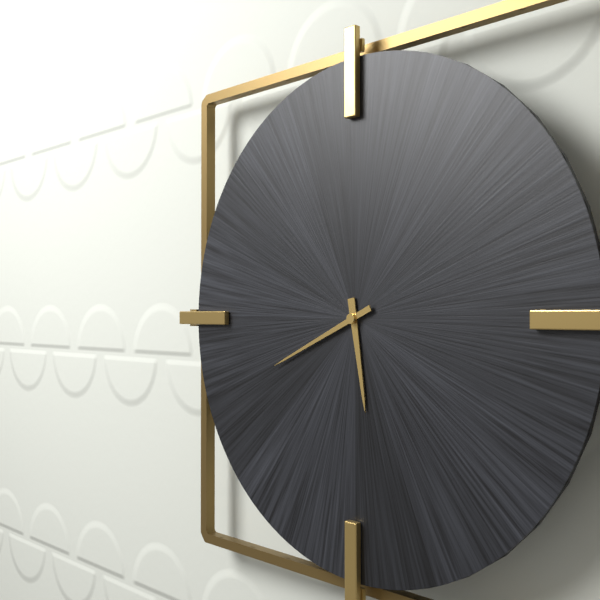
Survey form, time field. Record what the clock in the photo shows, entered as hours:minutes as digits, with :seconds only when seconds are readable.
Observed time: 5:41
